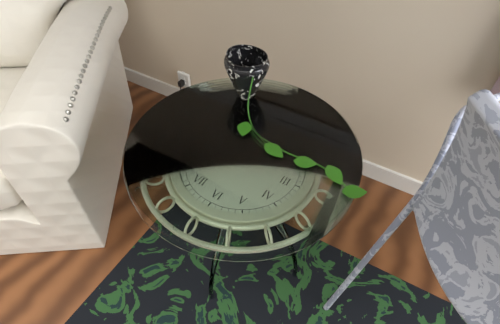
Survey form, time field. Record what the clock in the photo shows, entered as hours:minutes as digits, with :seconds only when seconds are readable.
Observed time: 1:40
